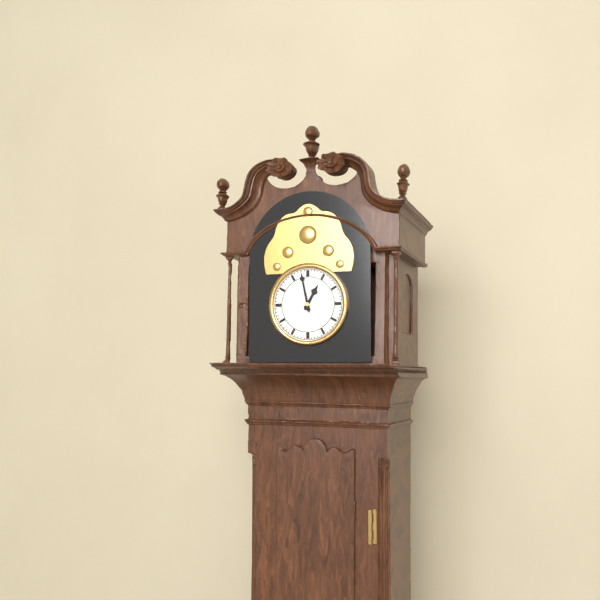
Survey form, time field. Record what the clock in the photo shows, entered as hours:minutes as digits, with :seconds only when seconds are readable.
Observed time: 12:58
